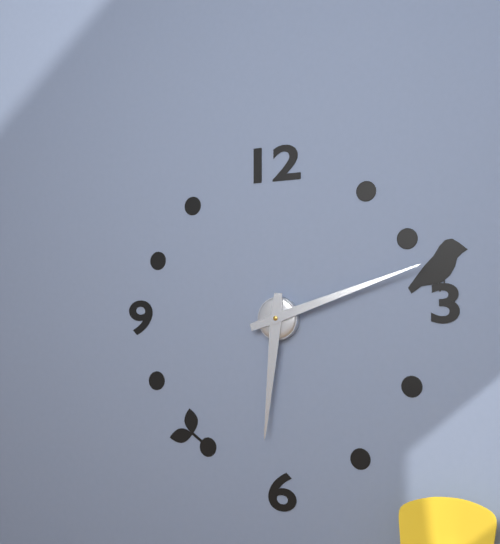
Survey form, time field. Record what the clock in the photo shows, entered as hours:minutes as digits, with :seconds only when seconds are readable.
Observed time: 6:12
